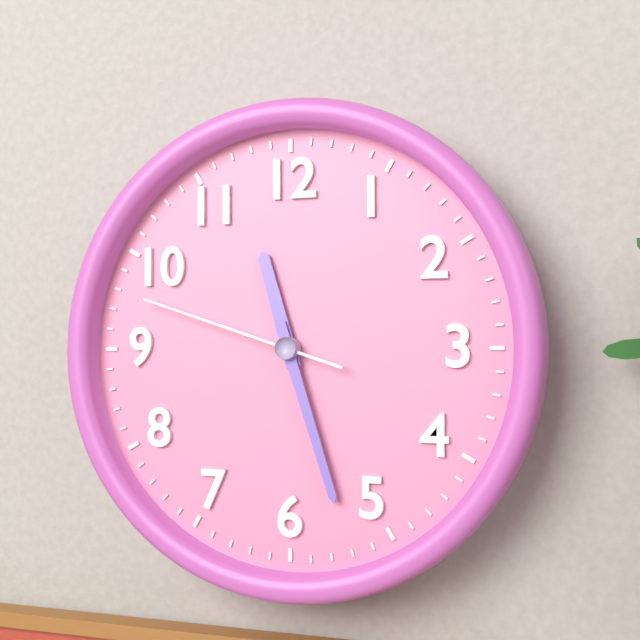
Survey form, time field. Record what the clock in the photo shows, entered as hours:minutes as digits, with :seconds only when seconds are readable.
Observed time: 11:27:48
